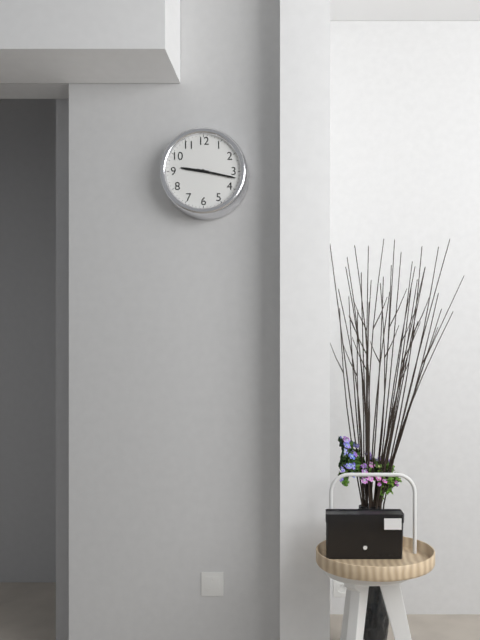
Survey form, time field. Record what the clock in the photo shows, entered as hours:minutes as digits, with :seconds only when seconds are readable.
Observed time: 9:17
